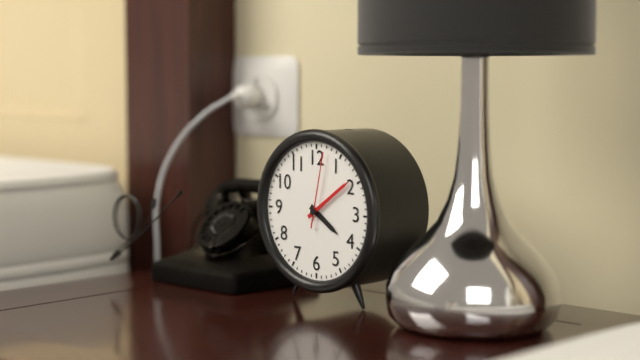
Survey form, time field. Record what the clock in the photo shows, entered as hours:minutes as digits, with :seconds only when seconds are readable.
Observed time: 4:09:02
